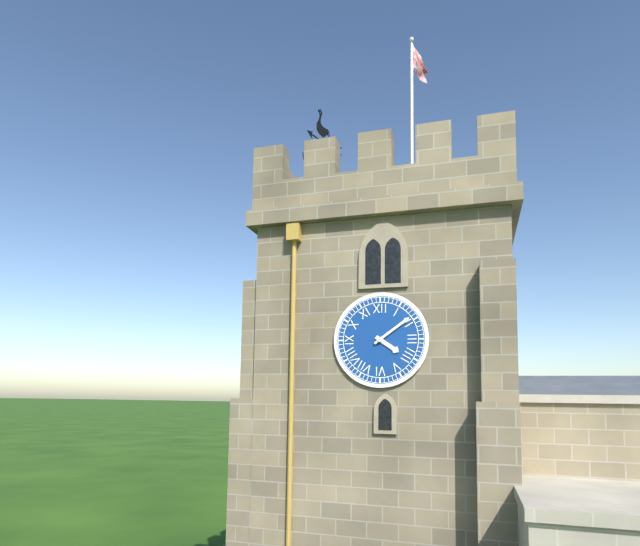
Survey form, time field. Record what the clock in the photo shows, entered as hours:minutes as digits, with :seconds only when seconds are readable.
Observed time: 4:09
